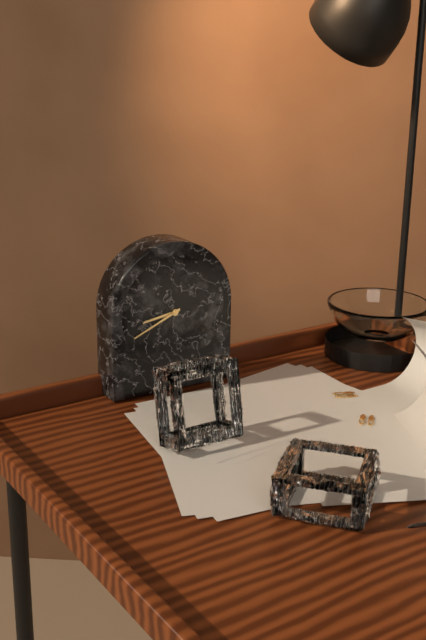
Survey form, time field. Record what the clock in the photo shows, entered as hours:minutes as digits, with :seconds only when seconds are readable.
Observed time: 8:41
